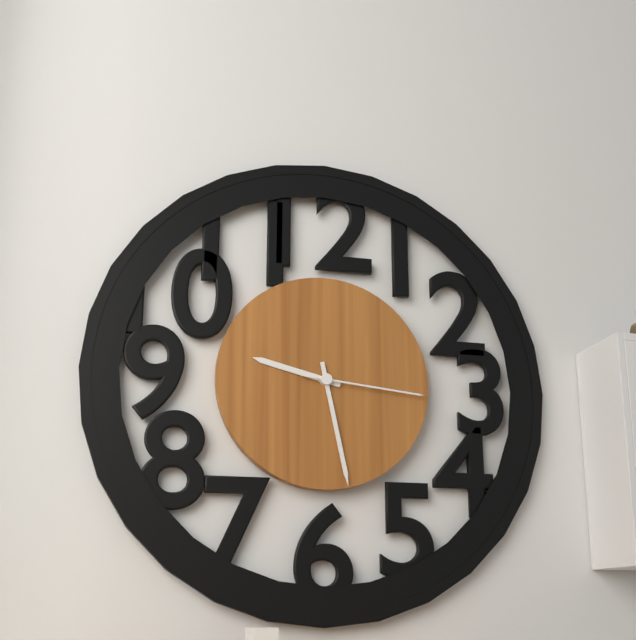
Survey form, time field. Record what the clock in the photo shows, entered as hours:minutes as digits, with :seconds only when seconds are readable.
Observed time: 9:28:16
